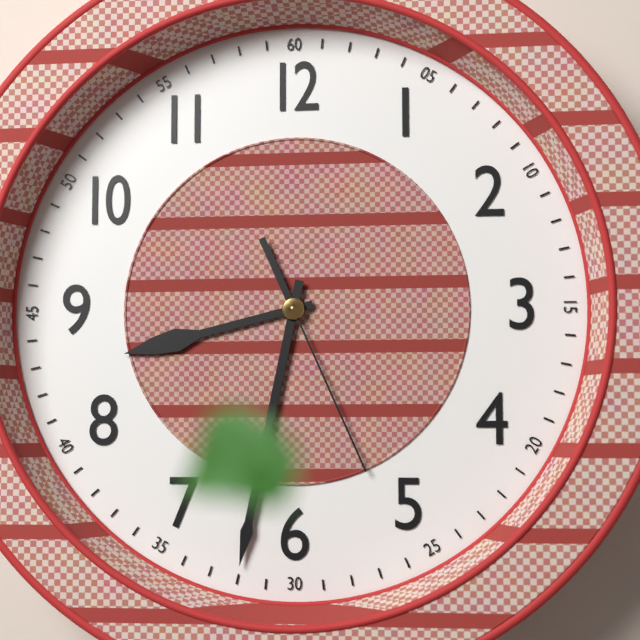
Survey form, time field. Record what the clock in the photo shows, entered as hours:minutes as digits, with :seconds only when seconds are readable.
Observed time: 8:32:26
